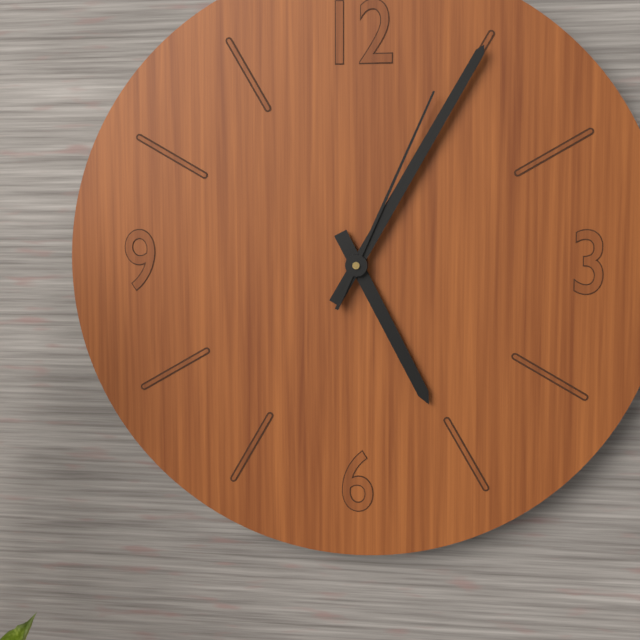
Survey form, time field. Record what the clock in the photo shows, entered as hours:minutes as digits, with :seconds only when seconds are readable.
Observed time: 5:05:04
